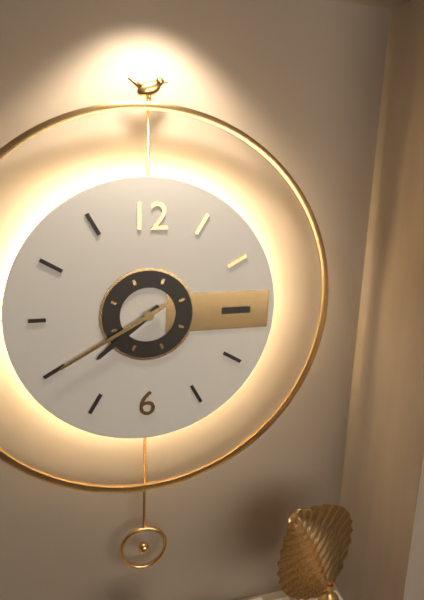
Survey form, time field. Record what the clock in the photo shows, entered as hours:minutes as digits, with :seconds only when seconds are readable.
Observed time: 7:40
